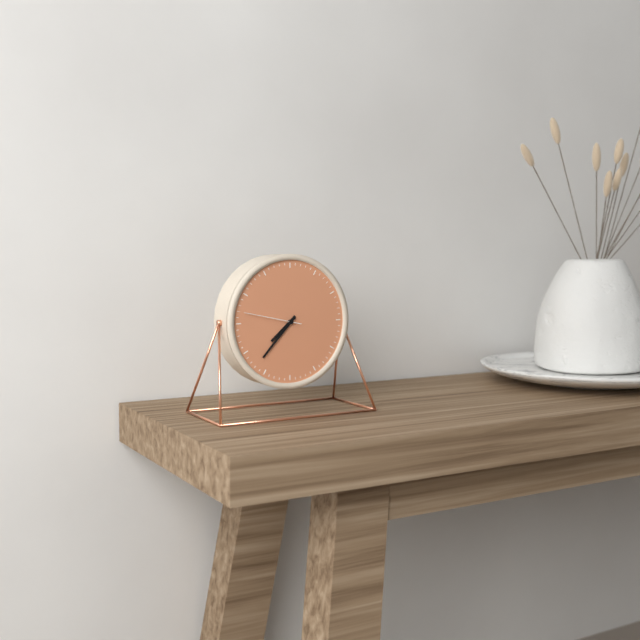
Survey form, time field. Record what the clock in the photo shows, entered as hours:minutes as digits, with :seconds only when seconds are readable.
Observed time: 7:37:47
